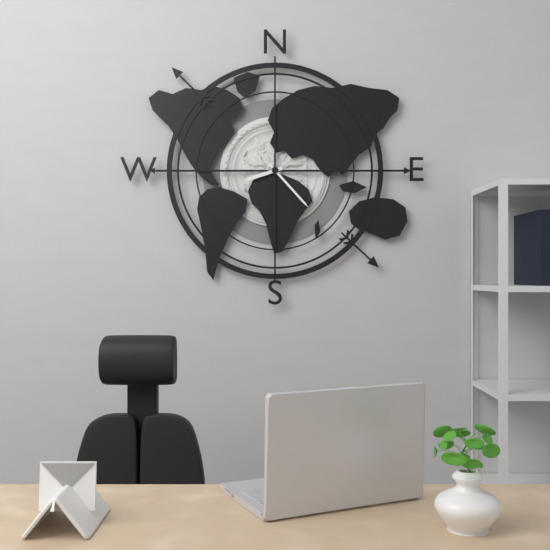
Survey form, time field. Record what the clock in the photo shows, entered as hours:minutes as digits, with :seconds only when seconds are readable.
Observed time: 8:23
